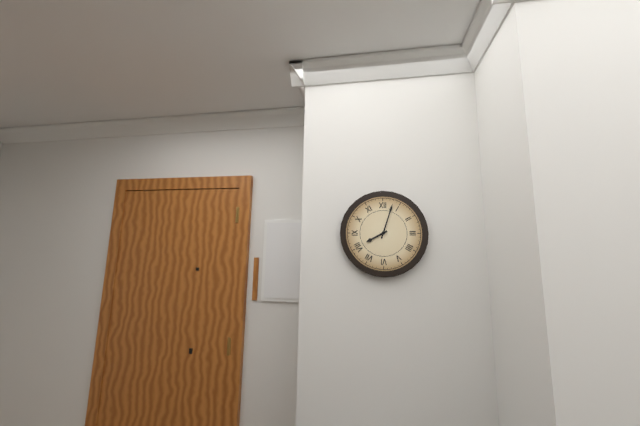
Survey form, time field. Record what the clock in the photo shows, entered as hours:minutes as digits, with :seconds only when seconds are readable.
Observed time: 8:03
